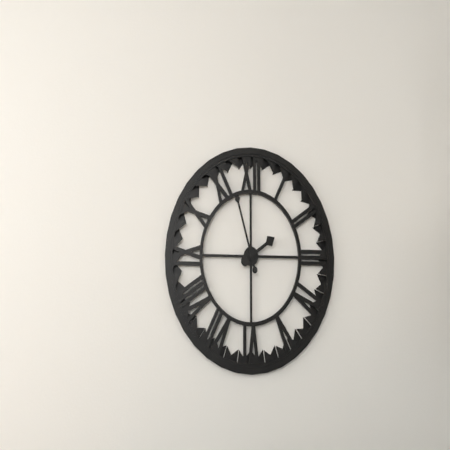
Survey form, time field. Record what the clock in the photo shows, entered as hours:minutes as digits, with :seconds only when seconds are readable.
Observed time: 1:57
